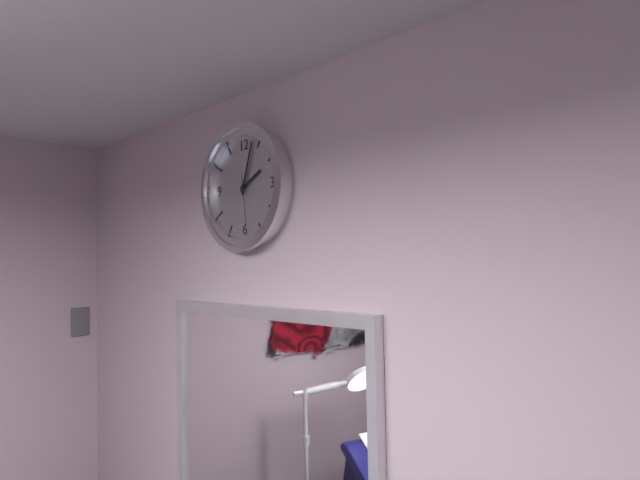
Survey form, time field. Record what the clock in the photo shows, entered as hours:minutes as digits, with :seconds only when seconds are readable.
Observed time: 2:03:29
